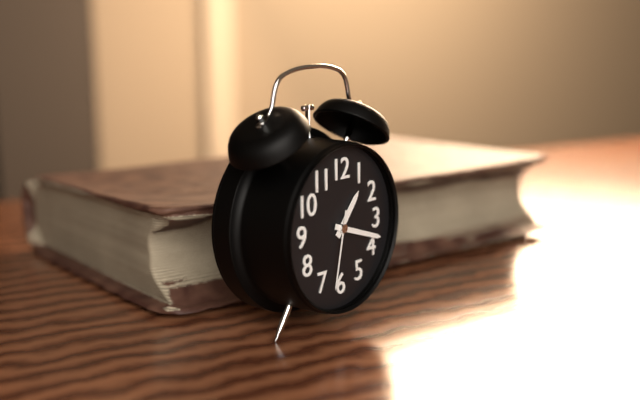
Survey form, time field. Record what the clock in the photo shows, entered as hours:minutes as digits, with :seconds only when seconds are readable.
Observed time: 1:18:32
